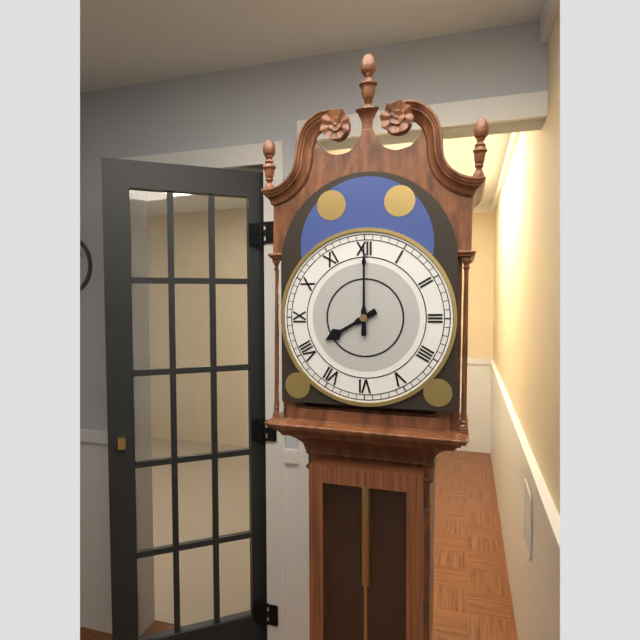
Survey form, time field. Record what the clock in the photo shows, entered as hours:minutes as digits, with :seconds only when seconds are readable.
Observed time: 8:00
